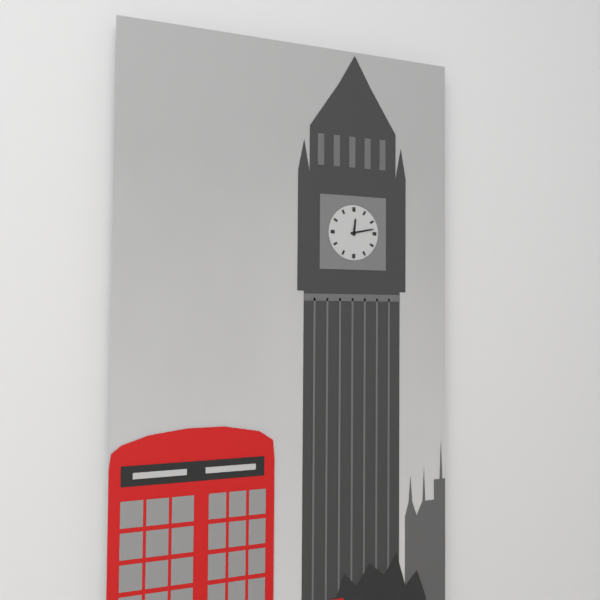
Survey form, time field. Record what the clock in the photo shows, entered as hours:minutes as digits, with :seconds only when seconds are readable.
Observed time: 12:13
